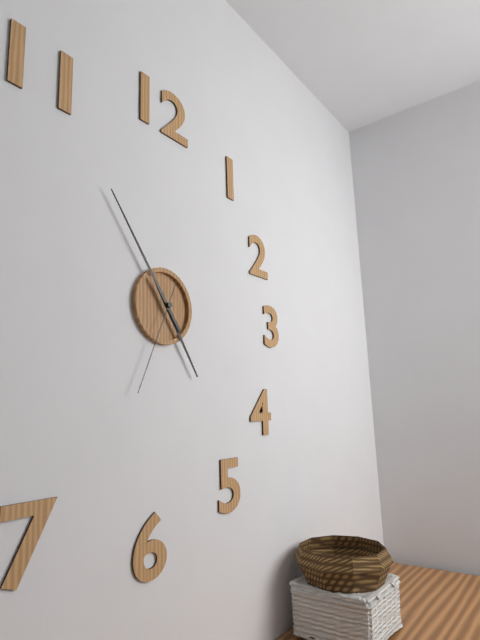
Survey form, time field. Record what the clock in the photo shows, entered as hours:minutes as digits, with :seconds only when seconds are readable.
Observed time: 4:54:34
